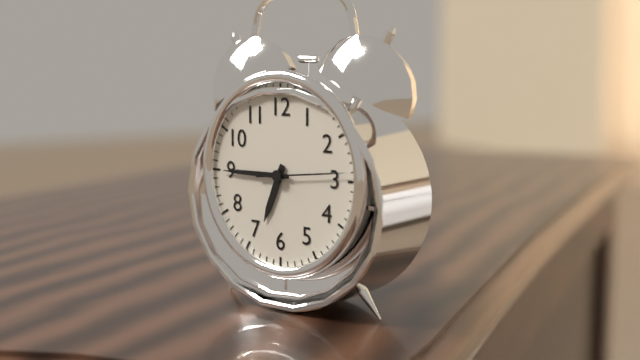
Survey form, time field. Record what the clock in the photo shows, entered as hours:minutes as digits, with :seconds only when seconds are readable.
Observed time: 6:45:14
